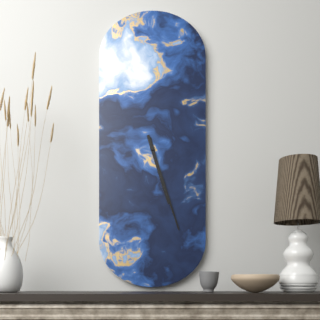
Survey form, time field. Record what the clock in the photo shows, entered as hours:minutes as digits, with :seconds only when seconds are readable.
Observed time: 5:27
